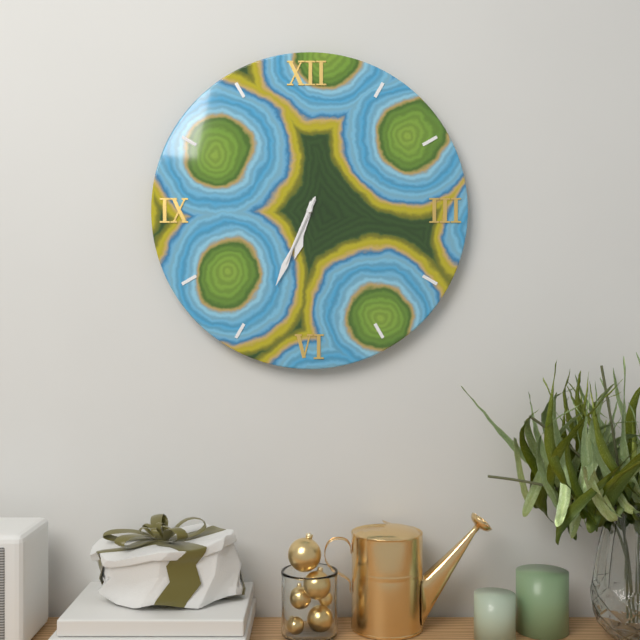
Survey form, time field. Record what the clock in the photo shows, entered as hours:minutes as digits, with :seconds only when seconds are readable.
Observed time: 6:34:34
